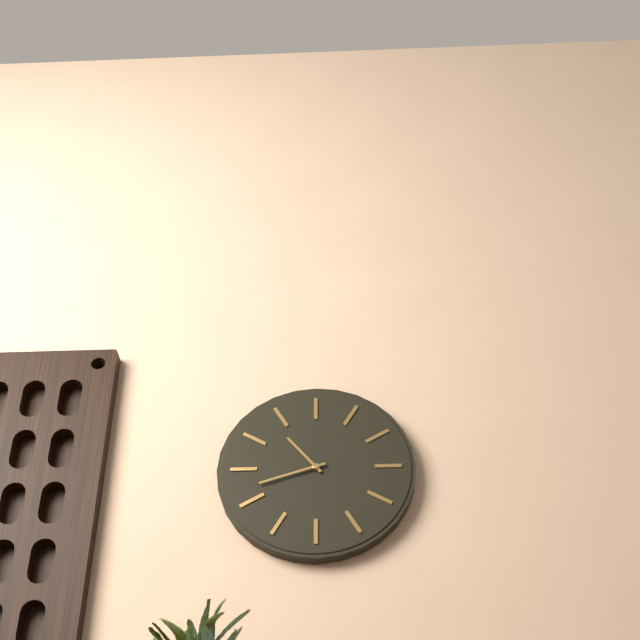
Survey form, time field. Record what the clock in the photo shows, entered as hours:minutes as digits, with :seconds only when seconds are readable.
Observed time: 10:42
